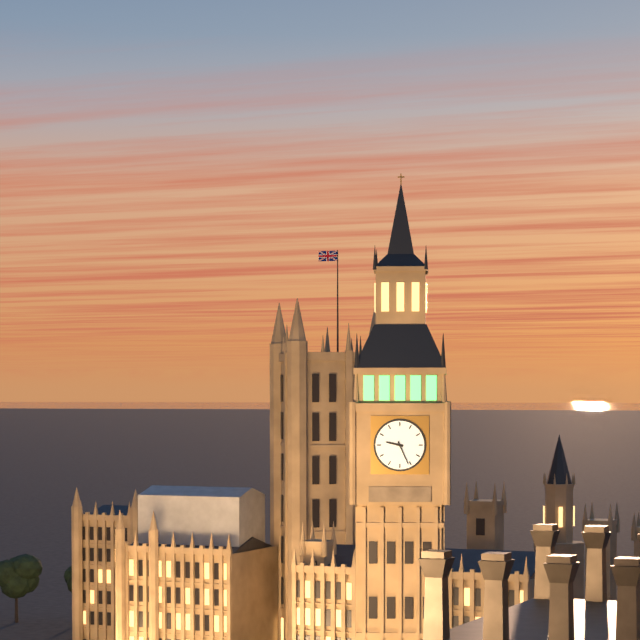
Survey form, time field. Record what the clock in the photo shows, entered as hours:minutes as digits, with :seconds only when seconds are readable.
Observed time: 9:26
